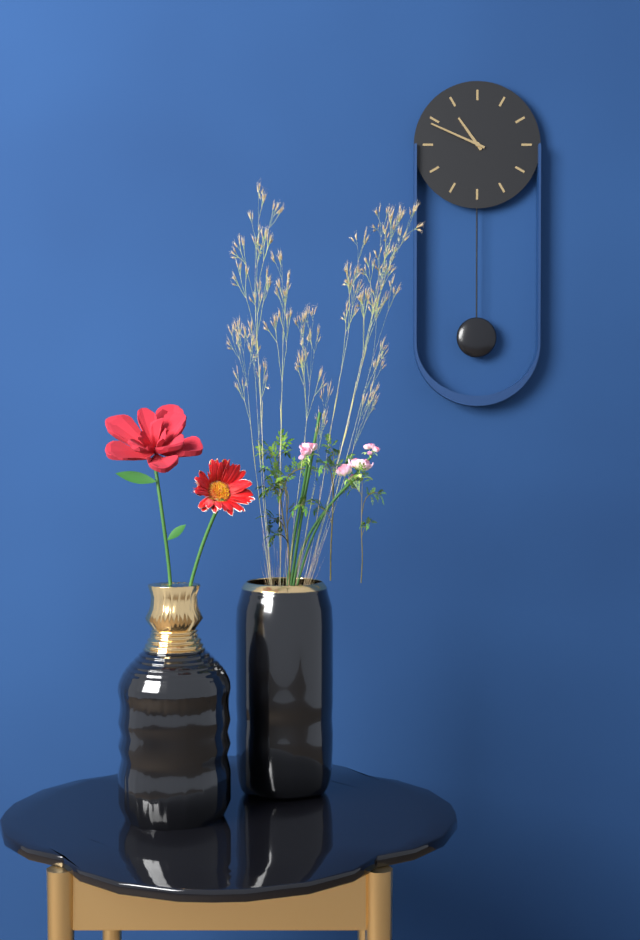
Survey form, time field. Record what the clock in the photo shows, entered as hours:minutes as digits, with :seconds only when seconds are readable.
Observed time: 10:49
